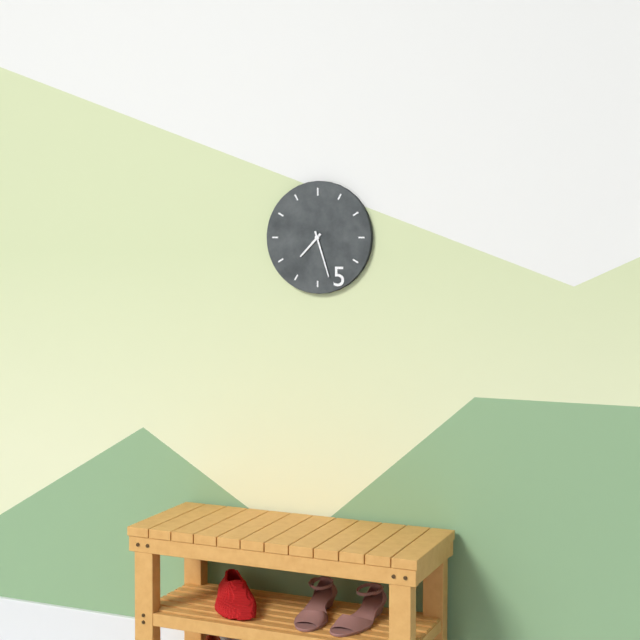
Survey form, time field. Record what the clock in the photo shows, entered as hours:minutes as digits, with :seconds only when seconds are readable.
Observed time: 7:27
